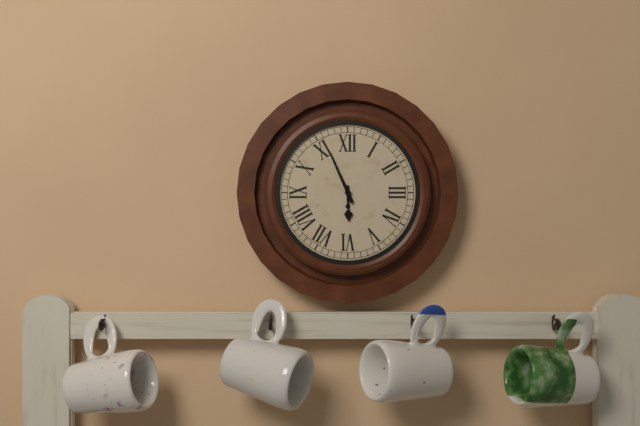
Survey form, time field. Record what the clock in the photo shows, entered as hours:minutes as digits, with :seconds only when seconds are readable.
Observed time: 5:56
